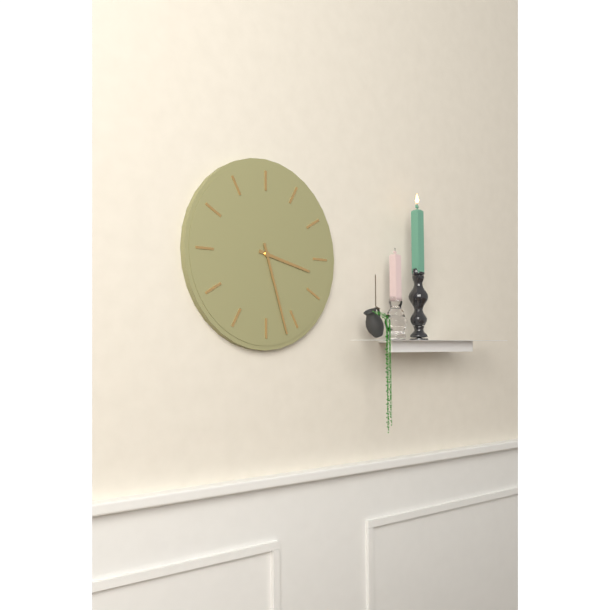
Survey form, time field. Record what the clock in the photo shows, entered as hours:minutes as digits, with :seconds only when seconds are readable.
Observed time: 3:27
